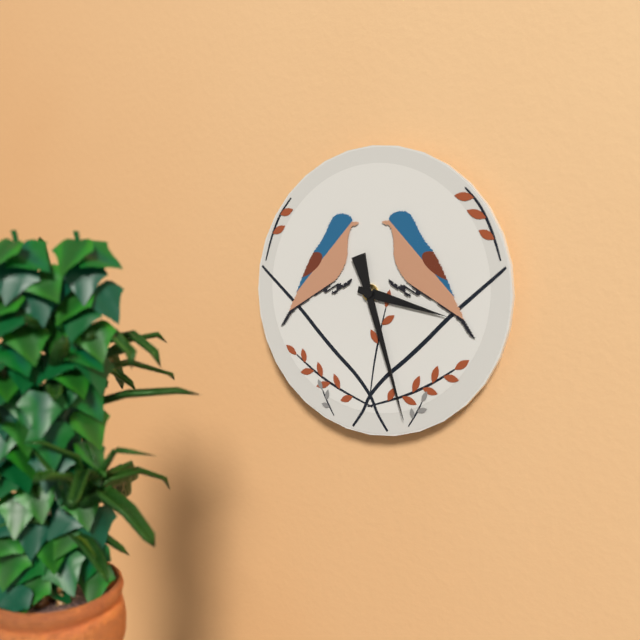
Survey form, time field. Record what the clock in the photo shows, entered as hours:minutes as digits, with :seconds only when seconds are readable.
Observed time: 3:27
